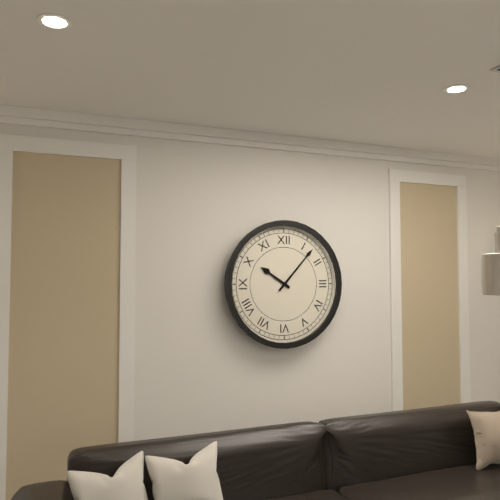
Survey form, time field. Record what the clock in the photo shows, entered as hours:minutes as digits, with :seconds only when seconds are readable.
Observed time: 10:07
